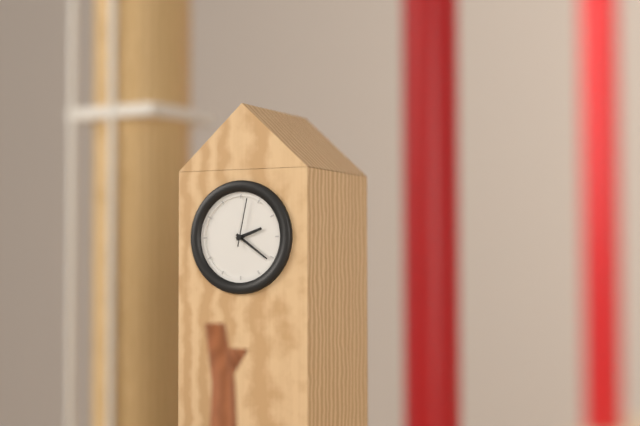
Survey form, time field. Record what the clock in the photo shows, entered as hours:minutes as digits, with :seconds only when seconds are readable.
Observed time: 2:21
